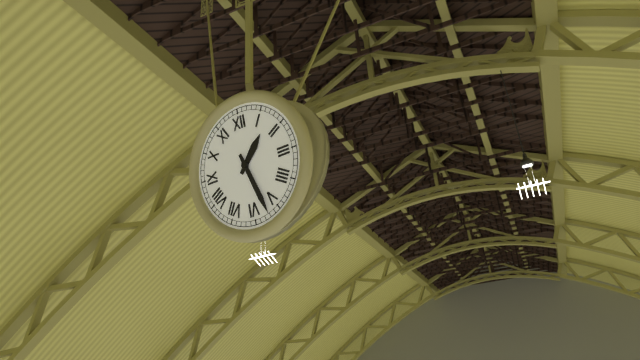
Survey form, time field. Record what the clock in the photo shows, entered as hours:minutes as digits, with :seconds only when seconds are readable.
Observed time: 1:27
